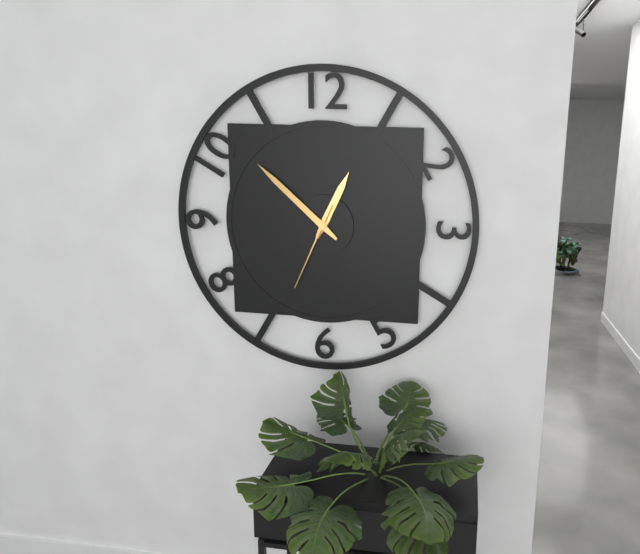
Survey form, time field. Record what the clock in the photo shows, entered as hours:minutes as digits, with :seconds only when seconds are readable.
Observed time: 12:52:34
